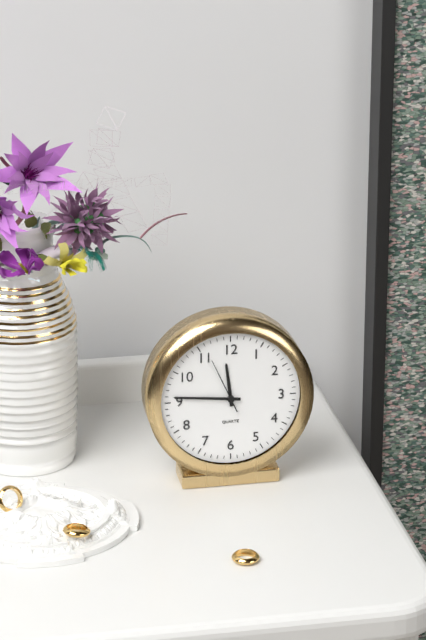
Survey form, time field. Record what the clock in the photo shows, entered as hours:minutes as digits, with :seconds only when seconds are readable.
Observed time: 11:46:56
